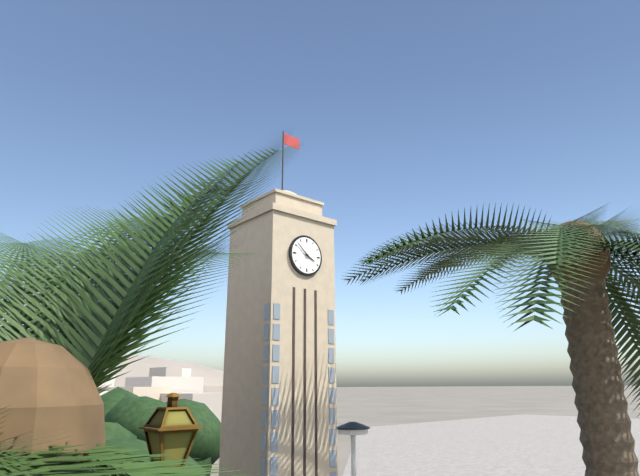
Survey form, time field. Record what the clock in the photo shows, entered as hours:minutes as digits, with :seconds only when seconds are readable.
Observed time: 3:52
